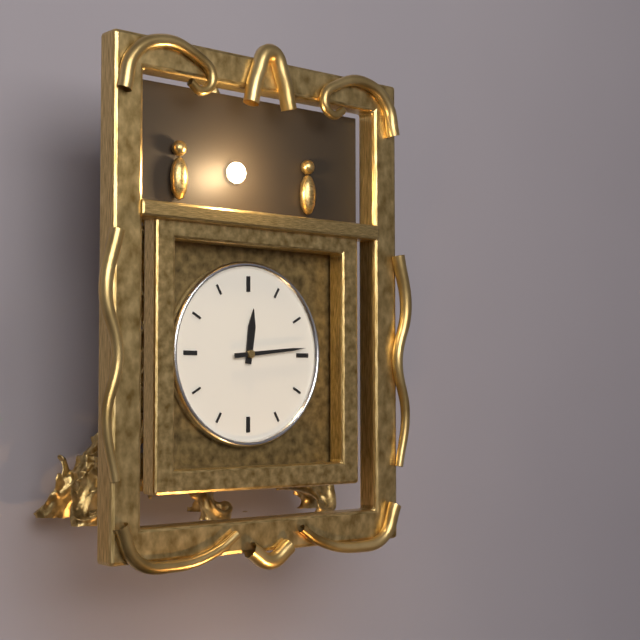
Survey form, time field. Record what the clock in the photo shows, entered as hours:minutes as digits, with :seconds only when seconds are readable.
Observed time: 12:14
